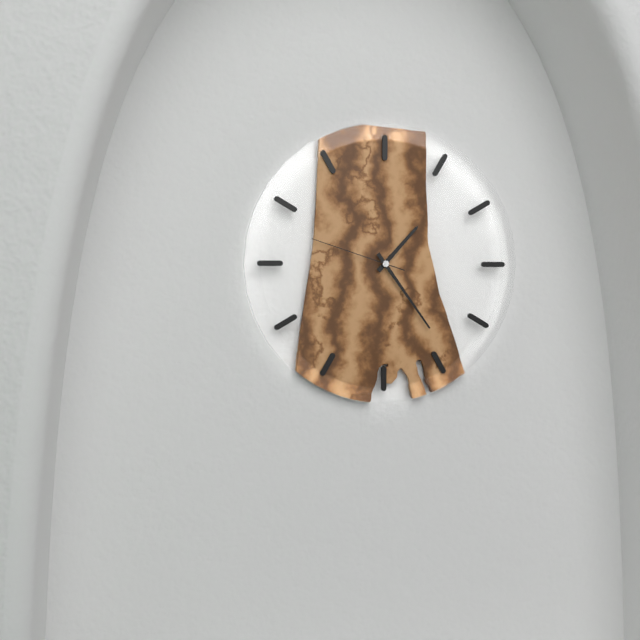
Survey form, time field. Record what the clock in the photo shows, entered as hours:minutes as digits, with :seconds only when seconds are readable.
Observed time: 1:24:48
